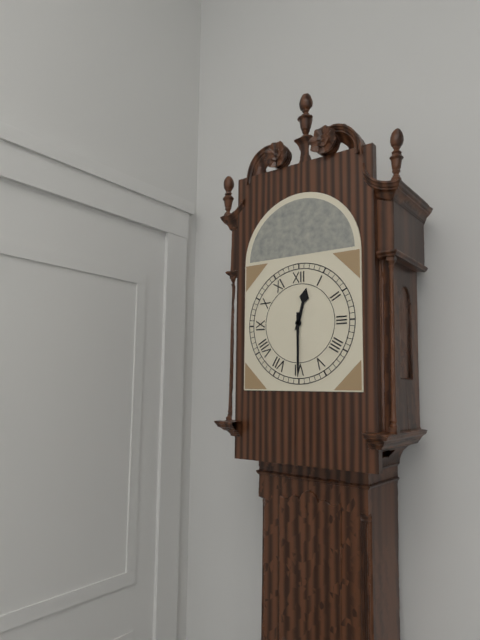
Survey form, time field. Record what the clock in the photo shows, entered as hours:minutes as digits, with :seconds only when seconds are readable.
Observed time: 12:30
